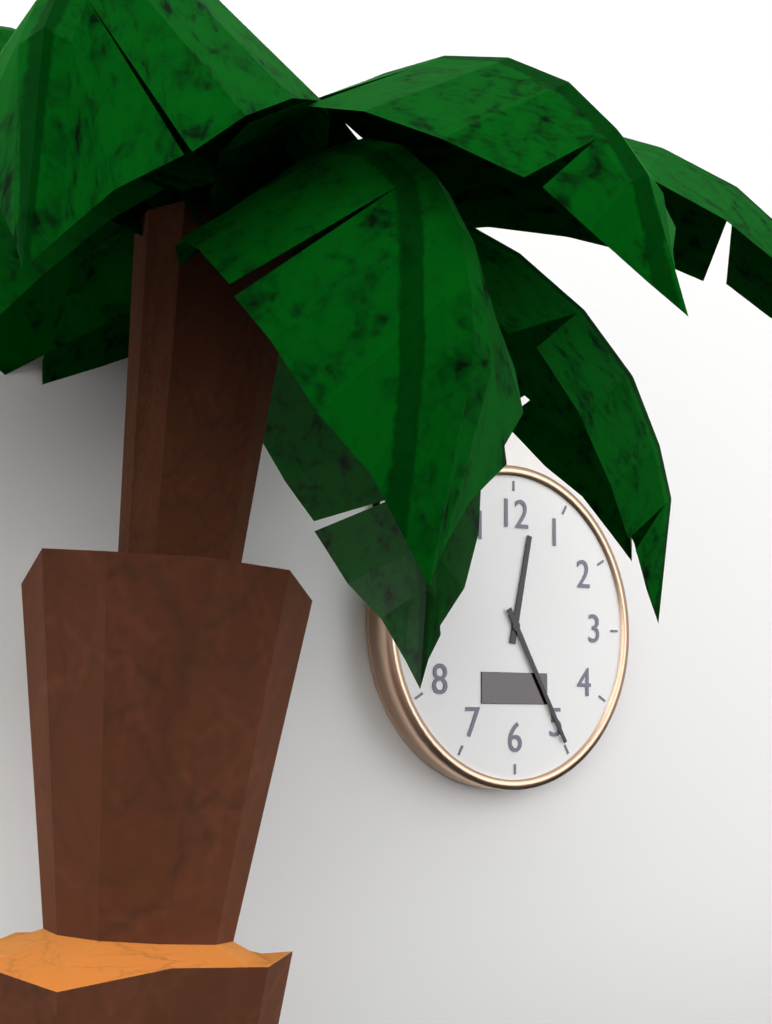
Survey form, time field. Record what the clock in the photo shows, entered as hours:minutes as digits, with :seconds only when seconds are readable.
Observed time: 12:25
